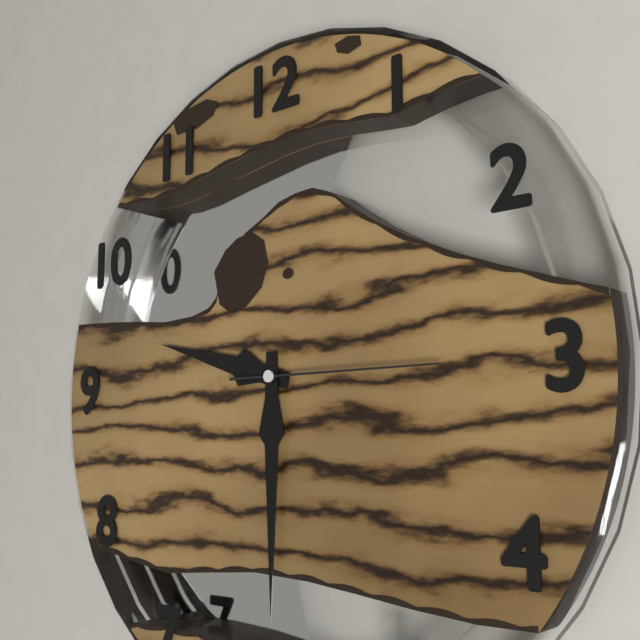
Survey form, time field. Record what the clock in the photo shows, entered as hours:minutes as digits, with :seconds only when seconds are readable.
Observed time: 9:30:15
